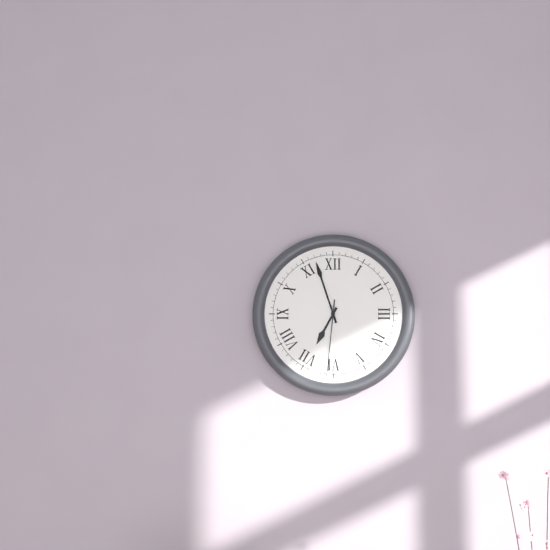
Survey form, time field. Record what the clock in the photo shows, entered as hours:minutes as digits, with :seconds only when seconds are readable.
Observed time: 6:57:31
